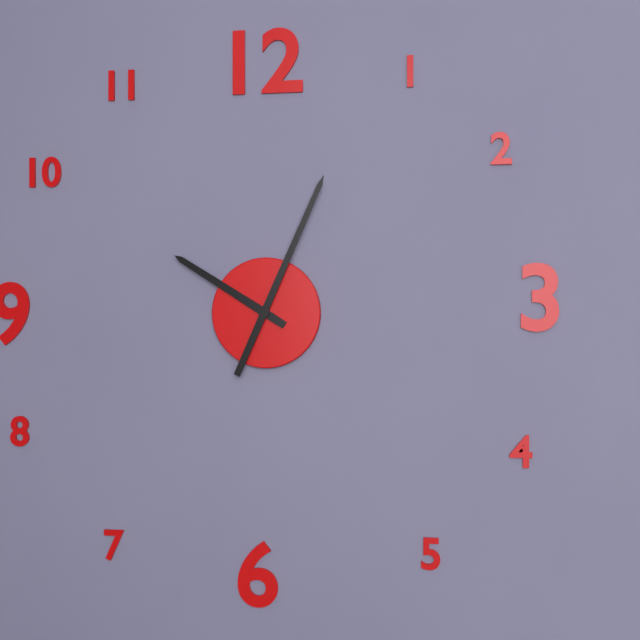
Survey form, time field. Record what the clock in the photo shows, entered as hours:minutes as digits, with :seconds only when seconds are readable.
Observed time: 10:04
